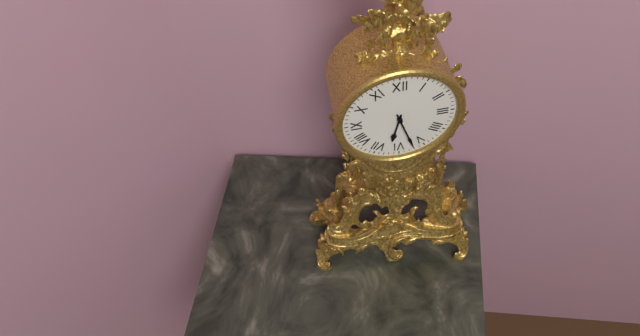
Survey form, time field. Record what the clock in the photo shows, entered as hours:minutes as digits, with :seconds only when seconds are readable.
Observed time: 6:27
